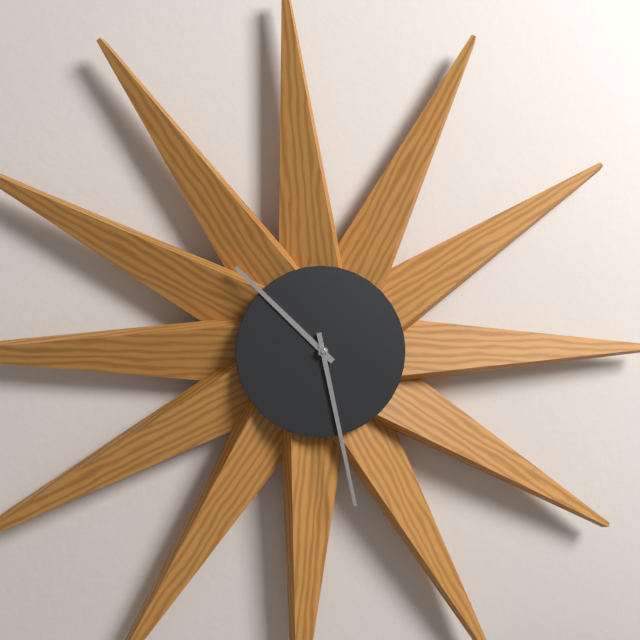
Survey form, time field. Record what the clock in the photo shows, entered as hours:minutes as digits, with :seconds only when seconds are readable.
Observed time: 10:28
